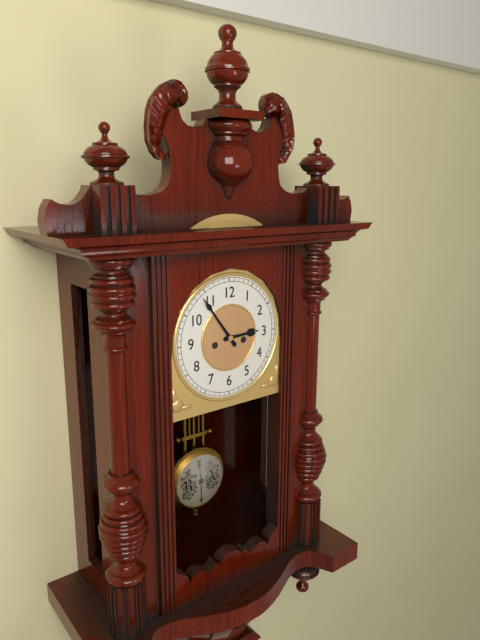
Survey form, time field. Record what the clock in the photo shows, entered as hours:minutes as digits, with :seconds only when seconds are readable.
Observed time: 2:54
